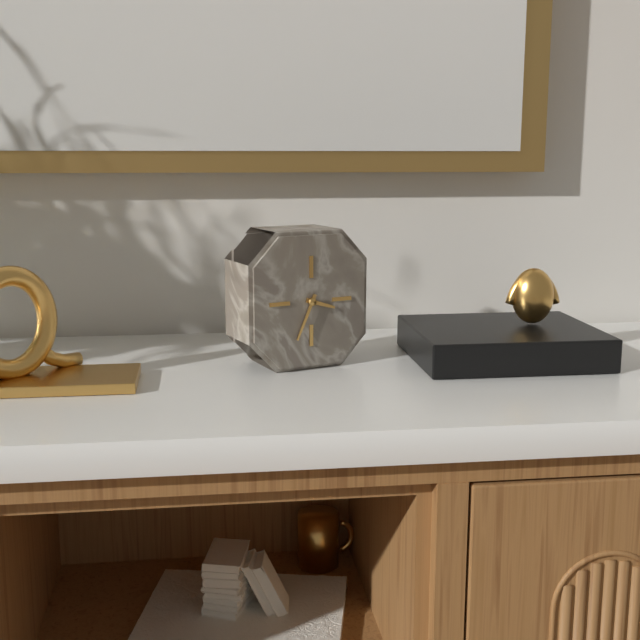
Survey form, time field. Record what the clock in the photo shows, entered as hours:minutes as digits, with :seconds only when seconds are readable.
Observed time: 3:34
